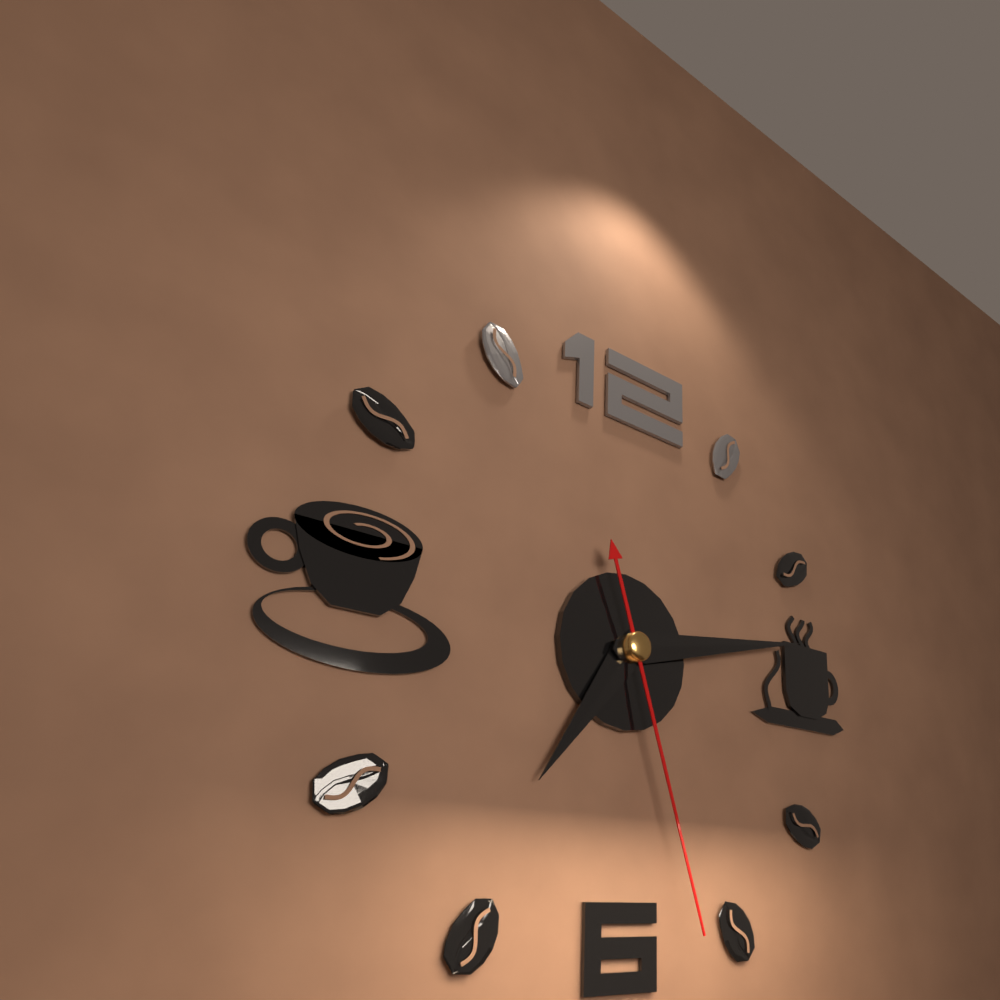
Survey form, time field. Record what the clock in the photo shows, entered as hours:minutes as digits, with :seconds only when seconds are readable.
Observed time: 7:13:27
